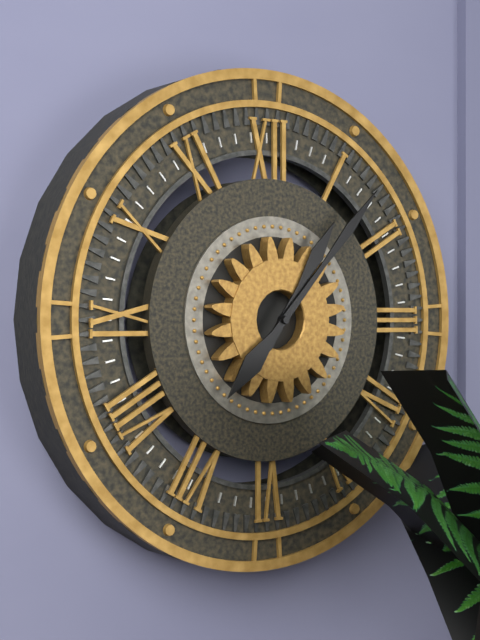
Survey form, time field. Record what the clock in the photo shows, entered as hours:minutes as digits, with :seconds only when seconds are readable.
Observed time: 1:07
